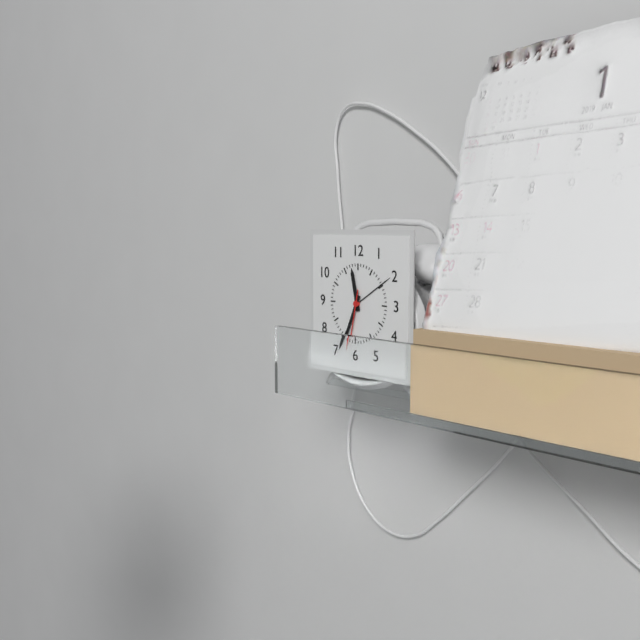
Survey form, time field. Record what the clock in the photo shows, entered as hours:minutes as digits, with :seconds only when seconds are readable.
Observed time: 11:34:32
